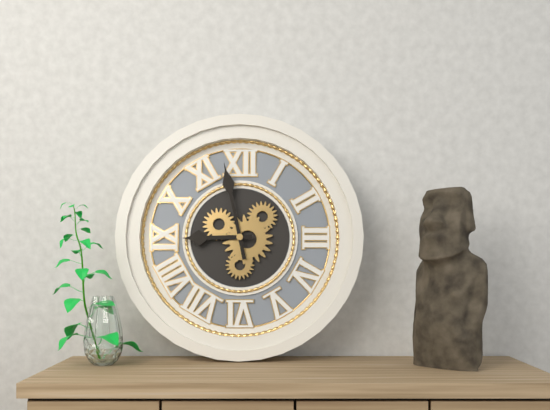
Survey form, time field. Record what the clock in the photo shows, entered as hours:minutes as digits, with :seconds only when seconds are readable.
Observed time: 8:58
